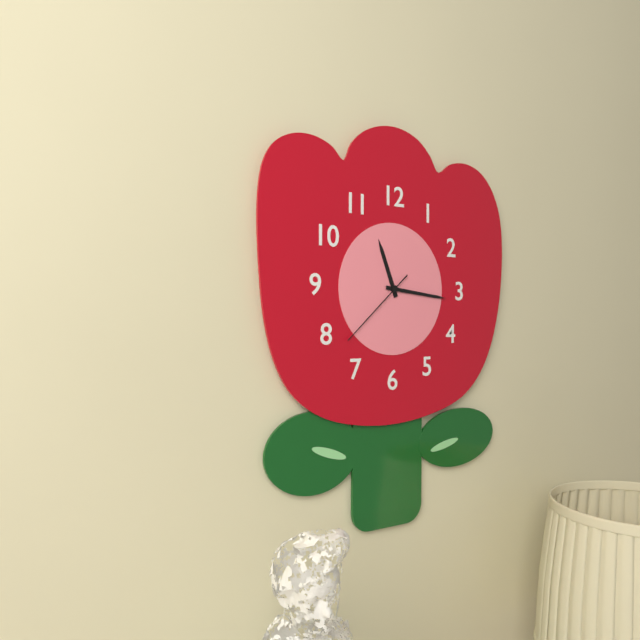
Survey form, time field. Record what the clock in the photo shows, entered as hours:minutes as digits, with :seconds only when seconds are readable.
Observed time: 11:16:38
